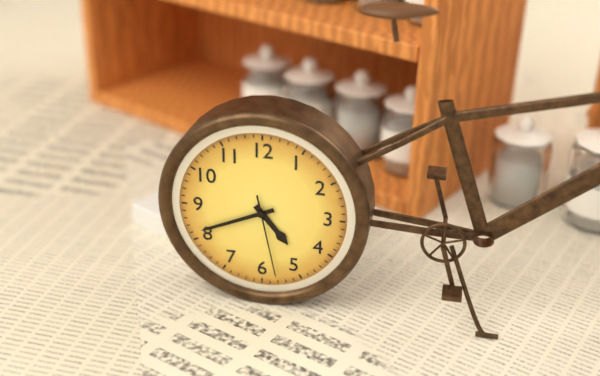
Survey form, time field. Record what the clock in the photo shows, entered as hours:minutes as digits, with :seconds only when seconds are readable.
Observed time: 4:41:28
